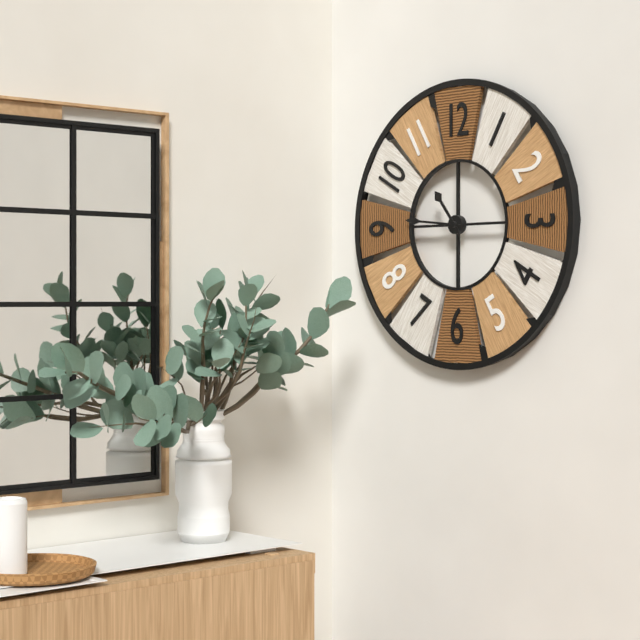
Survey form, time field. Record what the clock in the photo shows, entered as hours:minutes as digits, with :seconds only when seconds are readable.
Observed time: 10:46
